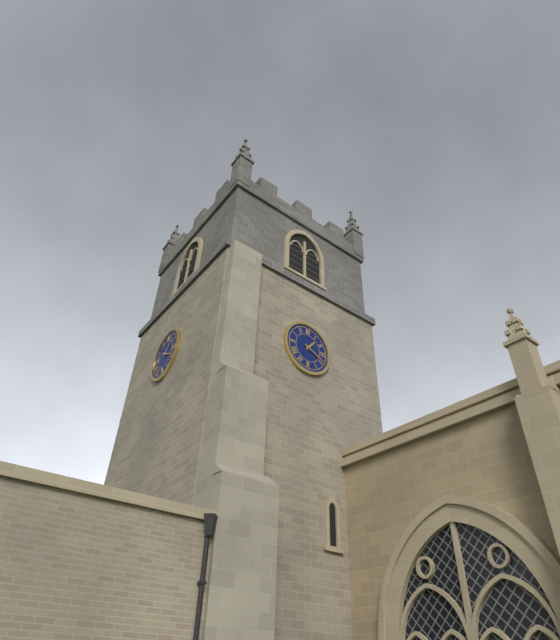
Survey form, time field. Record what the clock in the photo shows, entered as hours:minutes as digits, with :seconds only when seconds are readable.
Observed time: 1:19
